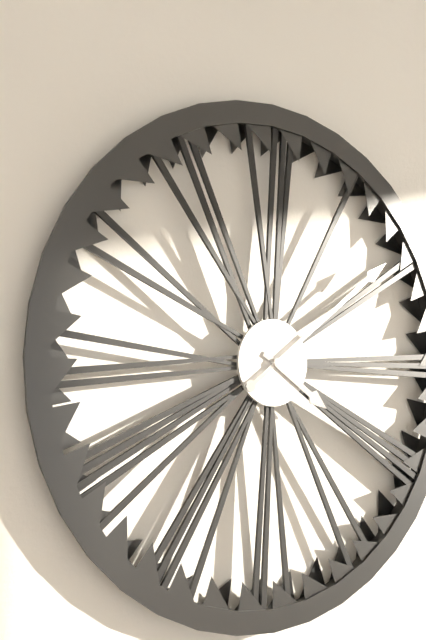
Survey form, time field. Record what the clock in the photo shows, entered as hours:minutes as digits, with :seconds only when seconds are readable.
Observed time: 4:09
